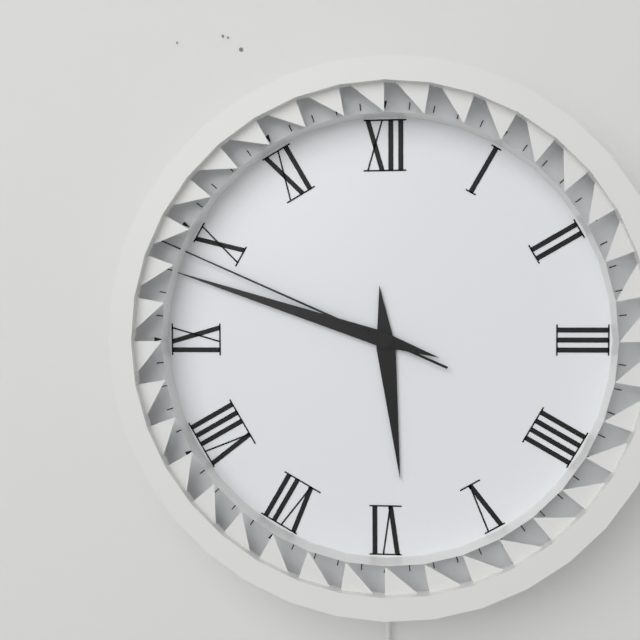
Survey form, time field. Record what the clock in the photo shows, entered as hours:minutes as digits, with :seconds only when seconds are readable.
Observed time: 5:48:49
